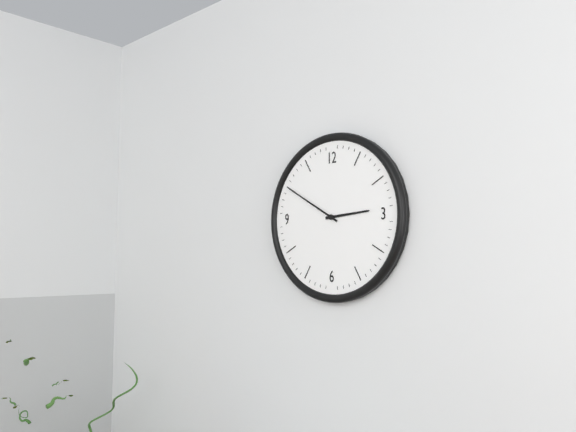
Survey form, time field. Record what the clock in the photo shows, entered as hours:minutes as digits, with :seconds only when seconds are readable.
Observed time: 2:50
